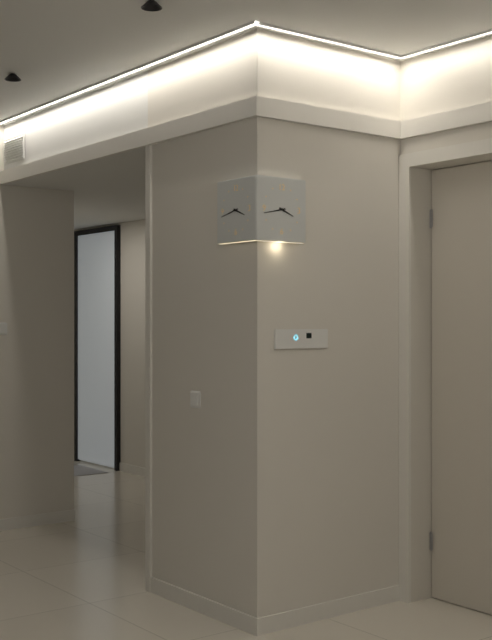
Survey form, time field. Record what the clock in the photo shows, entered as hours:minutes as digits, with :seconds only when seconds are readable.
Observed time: 3:43
